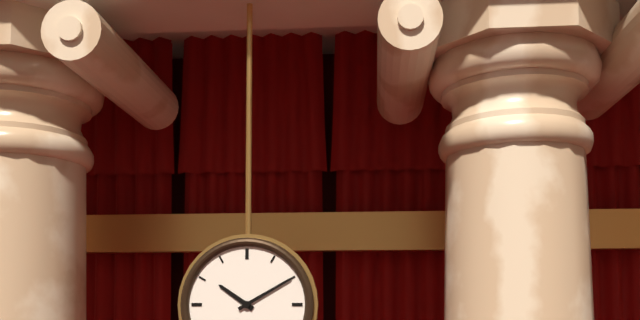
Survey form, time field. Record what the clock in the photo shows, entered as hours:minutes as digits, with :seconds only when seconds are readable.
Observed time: 10:10
